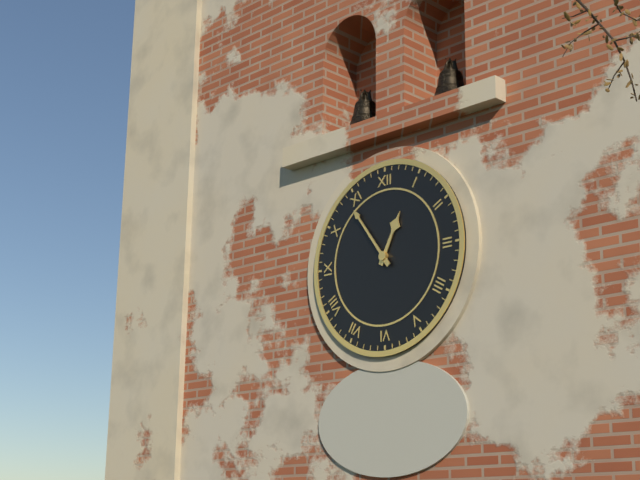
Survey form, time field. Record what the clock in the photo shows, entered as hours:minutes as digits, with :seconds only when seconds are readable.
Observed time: 12:54
